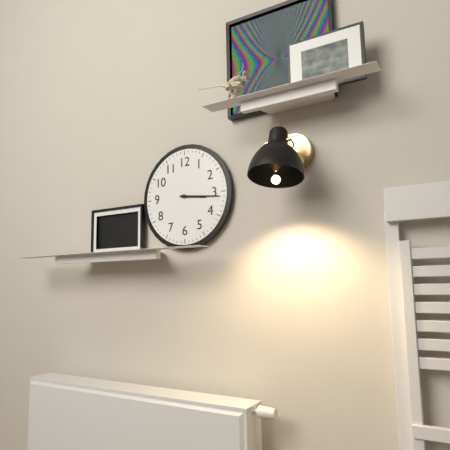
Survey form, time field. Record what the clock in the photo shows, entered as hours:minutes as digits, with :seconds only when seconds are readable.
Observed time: 3:16
